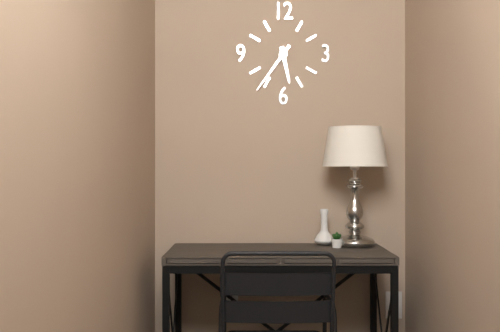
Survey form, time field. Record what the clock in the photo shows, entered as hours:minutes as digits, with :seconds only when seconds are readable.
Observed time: 5:36
